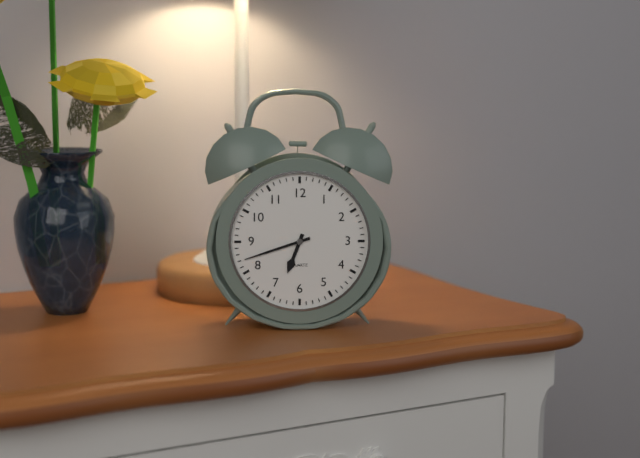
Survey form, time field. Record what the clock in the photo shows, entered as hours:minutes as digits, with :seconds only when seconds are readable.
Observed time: 6:42
